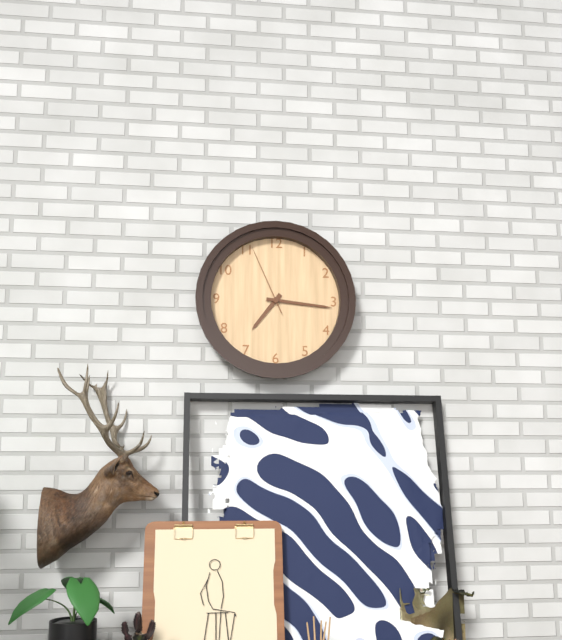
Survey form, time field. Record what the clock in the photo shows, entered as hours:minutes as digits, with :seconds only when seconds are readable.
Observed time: 7:16:56
